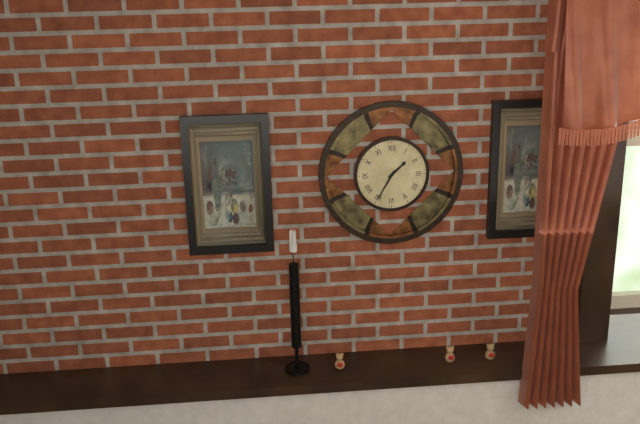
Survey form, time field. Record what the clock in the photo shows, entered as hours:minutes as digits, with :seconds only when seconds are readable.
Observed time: 1:35
